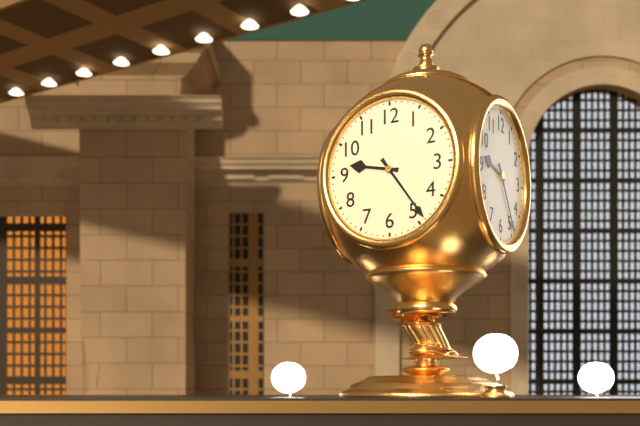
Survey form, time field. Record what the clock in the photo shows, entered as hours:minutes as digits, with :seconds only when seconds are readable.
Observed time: 9:24
